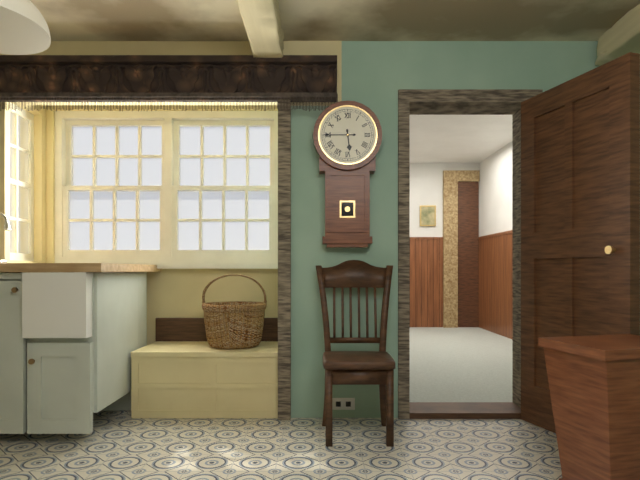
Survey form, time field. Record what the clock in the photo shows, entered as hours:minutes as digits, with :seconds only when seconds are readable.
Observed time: 5:45
